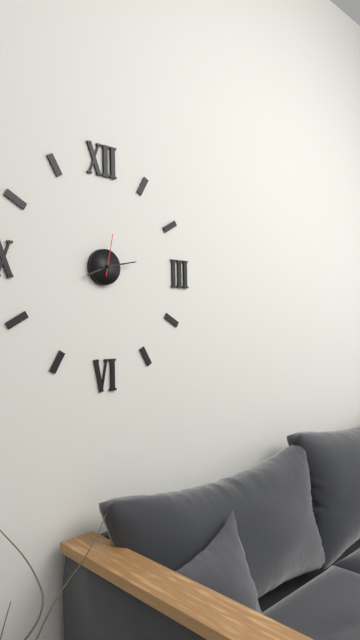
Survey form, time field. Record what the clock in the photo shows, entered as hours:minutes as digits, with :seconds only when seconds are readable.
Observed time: 8:13
